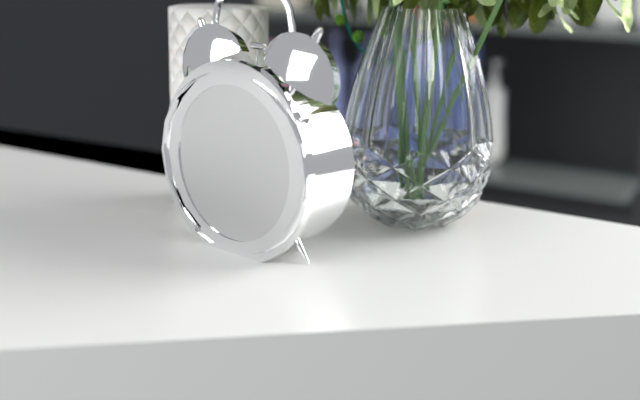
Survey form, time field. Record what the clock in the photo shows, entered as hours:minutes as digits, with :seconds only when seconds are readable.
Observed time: 6:55:02
